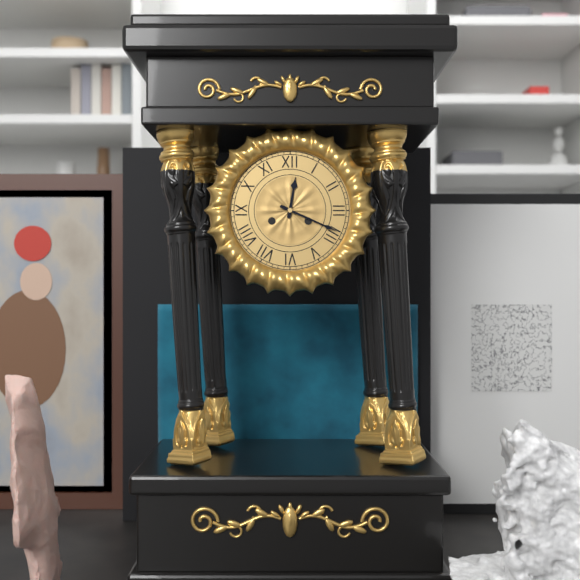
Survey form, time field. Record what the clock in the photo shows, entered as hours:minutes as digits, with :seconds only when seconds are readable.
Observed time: 12:19
